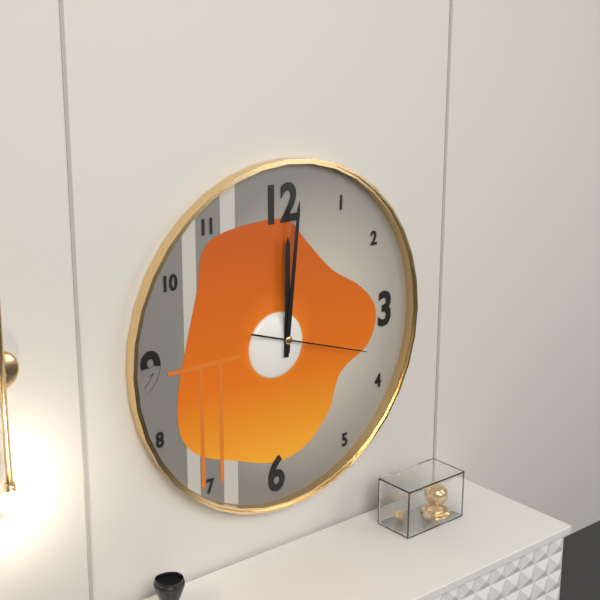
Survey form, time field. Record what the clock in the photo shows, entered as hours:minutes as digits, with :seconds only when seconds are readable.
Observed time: 12:01:18
